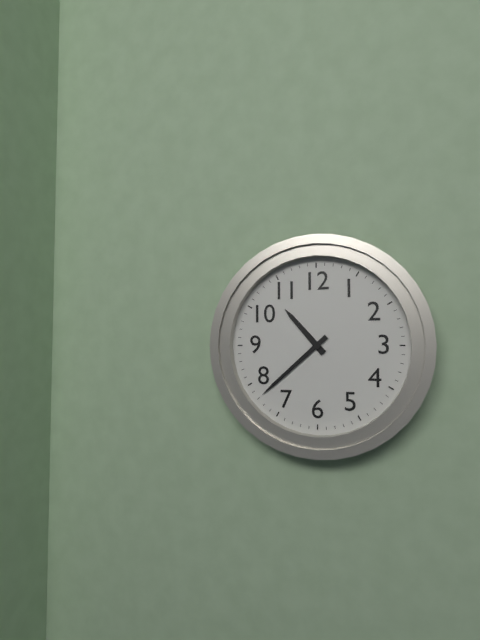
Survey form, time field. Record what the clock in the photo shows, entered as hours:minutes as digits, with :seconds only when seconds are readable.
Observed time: 10:38
